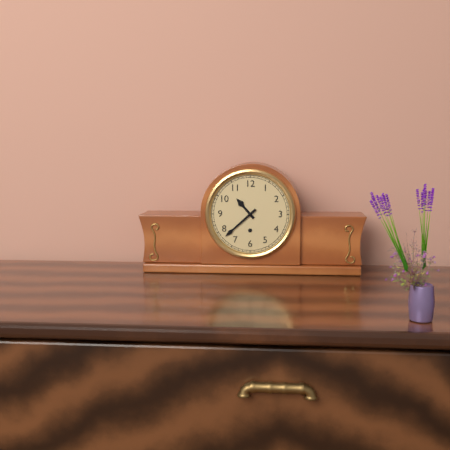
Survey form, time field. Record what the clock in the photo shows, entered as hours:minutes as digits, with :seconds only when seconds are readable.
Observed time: 10:38
